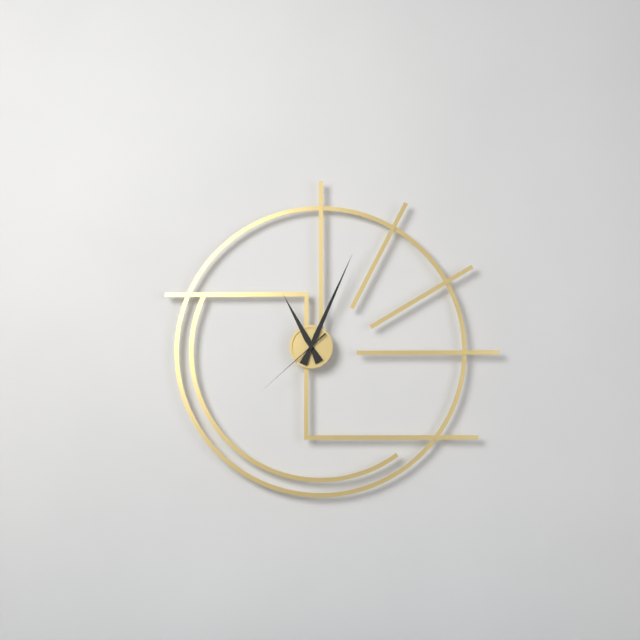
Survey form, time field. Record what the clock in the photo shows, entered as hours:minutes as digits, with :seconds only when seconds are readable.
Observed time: 11:04:38
